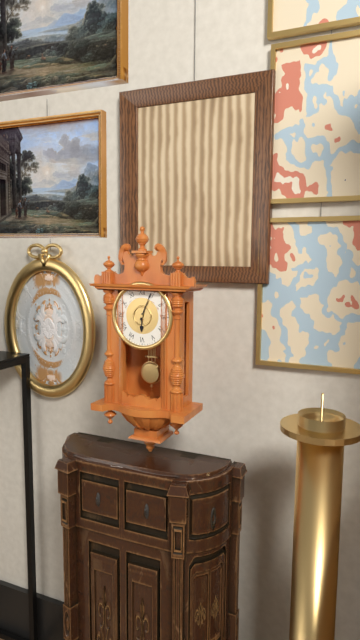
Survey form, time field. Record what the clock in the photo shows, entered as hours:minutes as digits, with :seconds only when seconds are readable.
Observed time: 6:04
